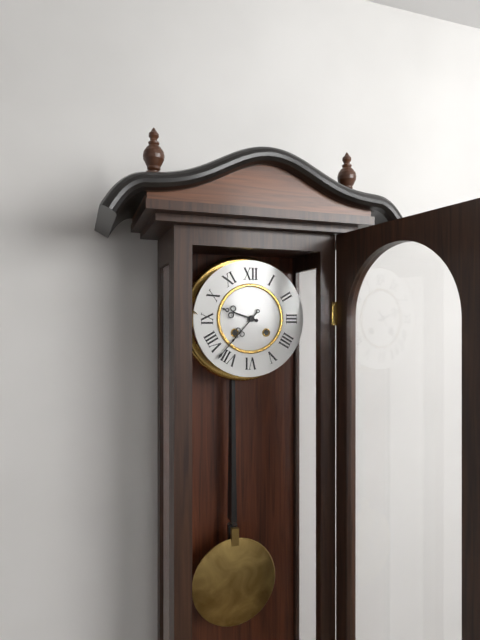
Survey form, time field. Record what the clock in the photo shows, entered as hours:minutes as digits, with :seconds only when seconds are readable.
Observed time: 9:37
